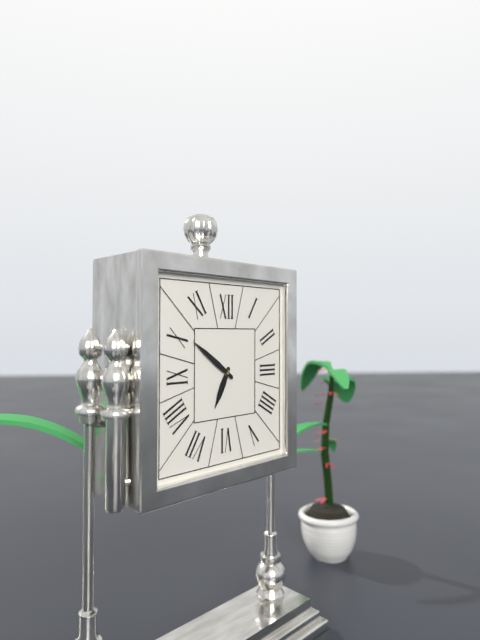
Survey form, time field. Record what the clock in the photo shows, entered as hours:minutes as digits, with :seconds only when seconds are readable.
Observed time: 6:51
